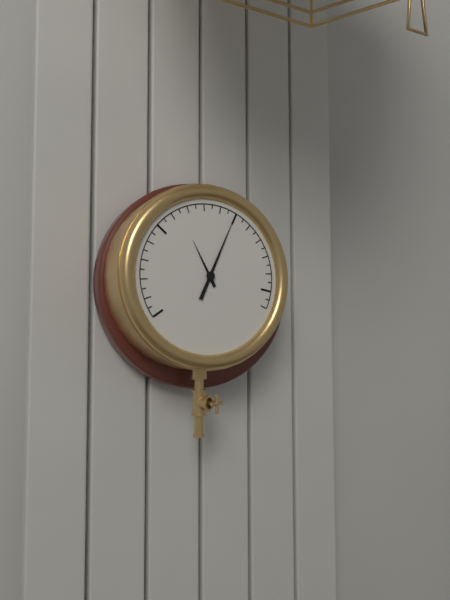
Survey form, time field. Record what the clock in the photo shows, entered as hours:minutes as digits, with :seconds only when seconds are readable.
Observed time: 11:04
